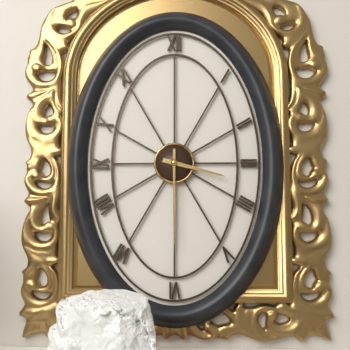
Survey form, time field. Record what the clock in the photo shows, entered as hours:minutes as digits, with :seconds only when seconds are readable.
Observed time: 3:30
